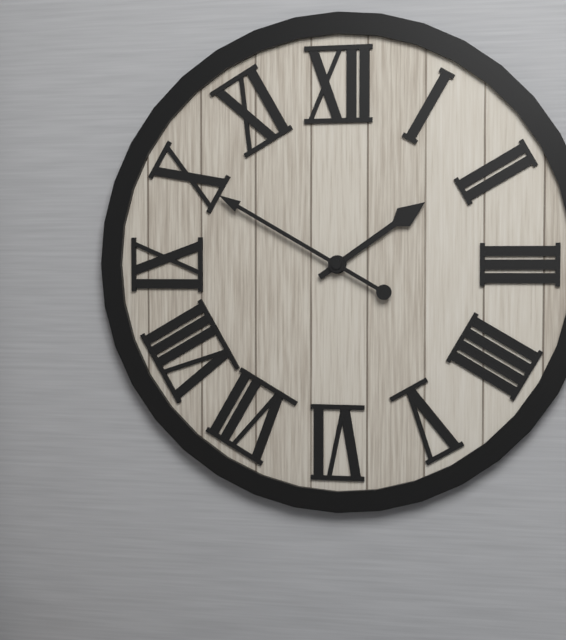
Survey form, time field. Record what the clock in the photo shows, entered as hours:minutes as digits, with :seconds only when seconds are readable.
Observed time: 1:50
